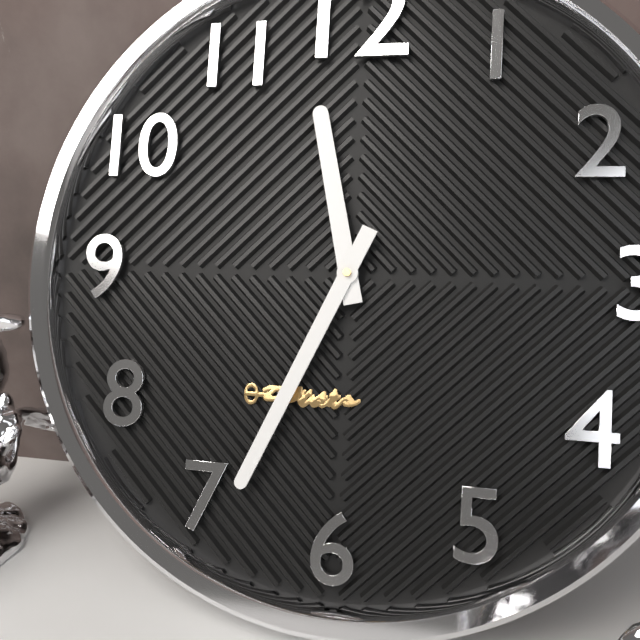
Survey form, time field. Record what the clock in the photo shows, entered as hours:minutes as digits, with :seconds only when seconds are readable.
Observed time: 11:34
